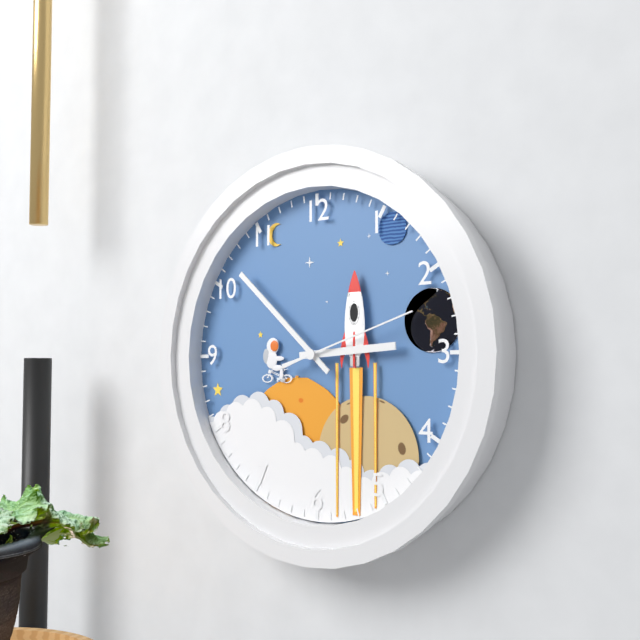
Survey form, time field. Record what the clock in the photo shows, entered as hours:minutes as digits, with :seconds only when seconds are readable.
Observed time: 2:52:12
